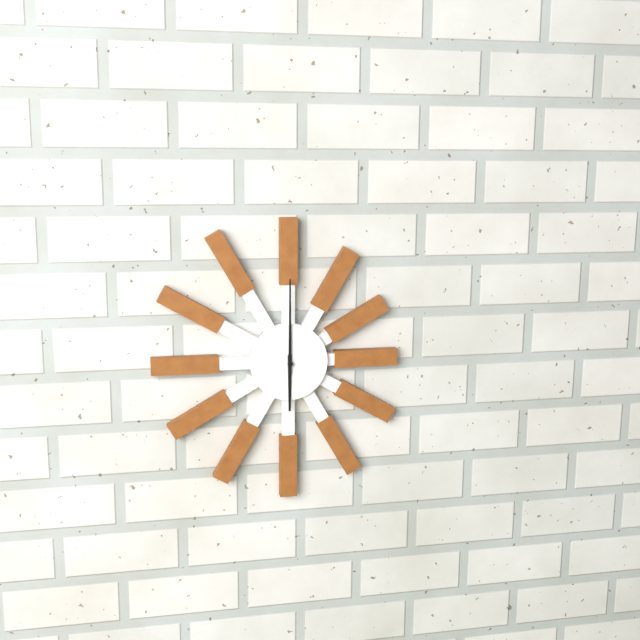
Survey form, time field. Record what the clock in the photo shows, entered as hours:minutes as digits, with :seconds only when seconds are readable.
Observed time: 6:00
